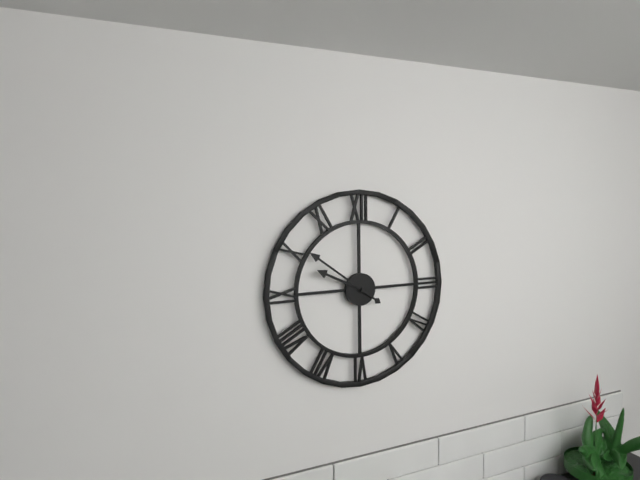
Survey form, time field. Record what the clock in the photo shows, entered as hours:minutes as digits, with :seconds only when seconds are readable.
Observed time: 9:51
